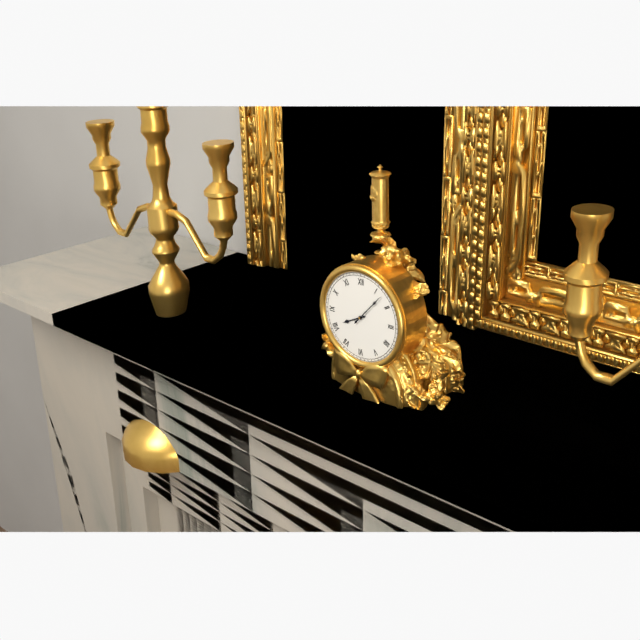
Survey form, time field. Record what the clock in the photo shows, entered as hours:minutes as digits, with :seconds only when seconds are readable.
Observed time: 8:07
